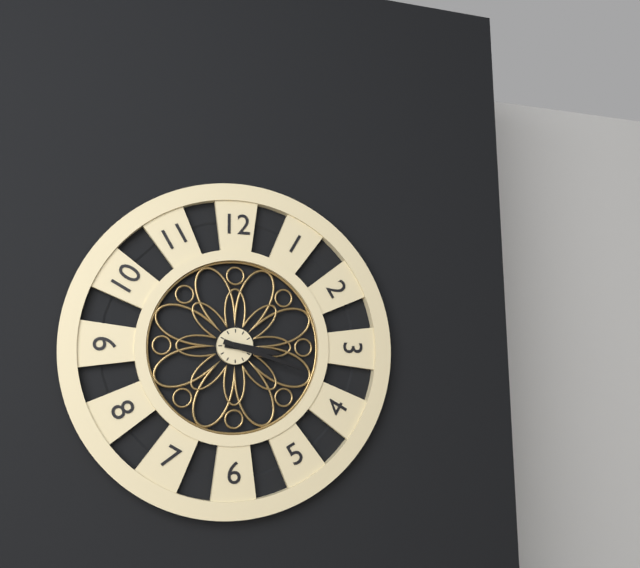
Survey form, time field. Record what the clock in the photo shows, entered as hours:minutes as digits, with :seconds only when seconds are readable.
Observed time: 3:18
